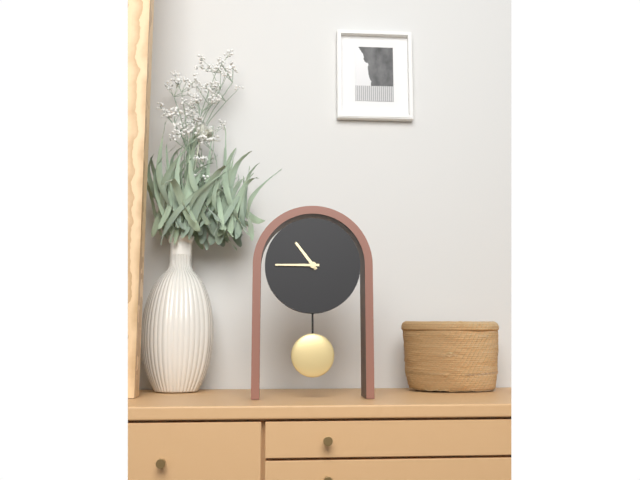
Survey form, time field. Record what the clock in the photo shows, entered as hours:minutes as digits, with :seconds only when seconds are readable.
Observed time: 10:45
